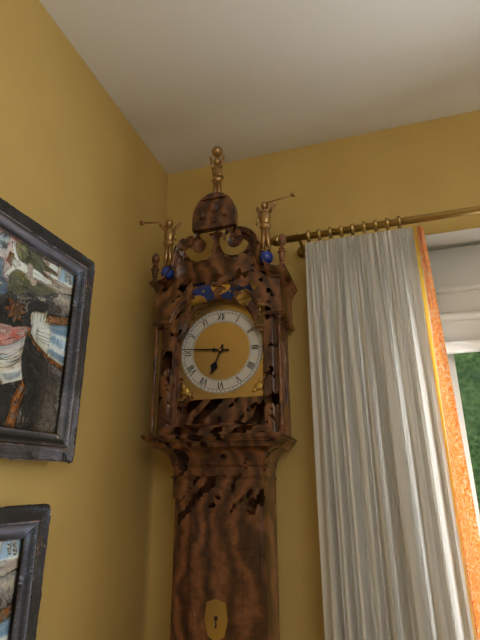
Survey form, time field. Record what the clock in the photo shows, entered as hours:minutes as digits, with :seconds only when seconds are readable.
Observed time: 6:46
